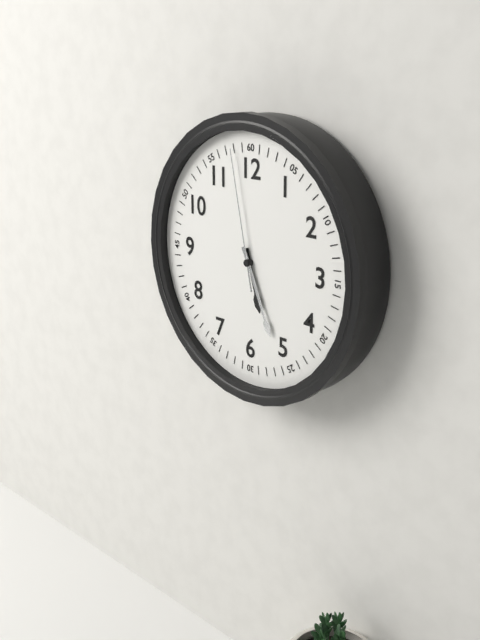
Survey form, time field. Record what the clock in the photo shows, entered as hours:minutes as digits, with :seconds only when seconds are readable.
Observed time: 5:26:58
